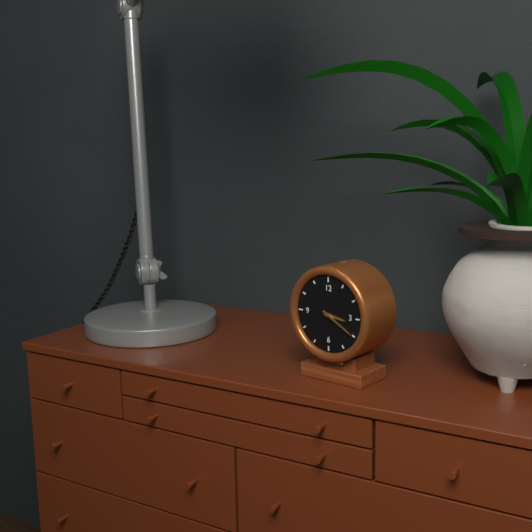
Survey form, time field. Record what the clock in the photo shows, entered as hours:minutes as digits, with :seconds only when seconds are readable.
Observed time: 3:20
